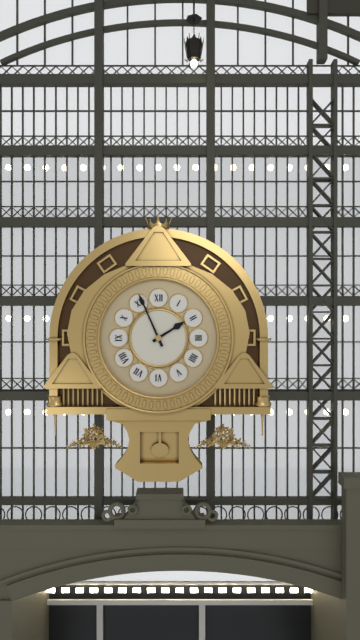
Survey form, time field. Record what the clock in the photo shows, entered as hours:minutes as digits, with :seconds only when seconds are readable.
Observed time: 1:56
